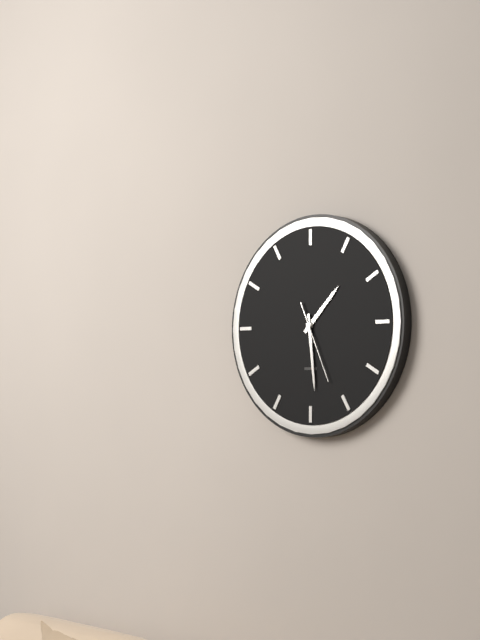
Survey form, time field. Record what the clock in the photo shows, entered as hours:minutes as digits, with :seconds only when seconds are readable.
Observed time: 1:29:26
